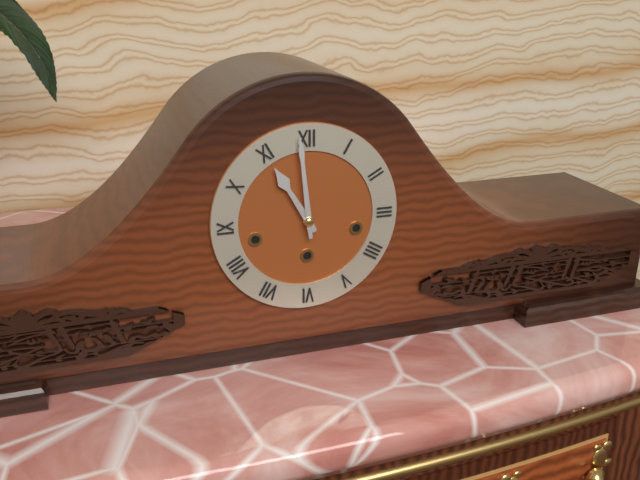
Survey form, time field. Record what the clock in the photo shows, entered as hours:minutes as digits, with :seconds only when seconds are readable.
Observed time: 10:59
